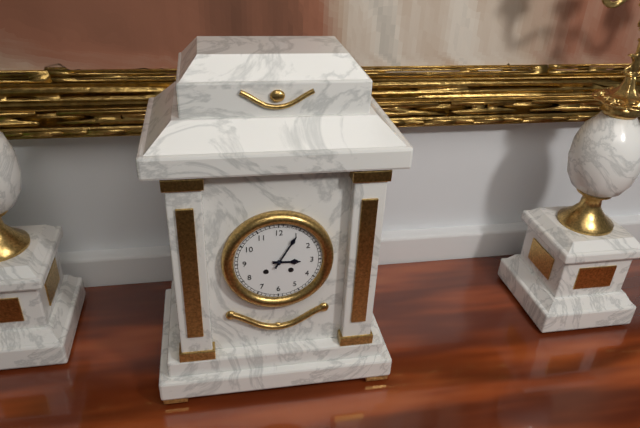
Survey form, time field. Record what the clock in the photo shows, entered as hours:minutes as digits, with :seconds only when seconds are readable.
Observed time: 3:05
